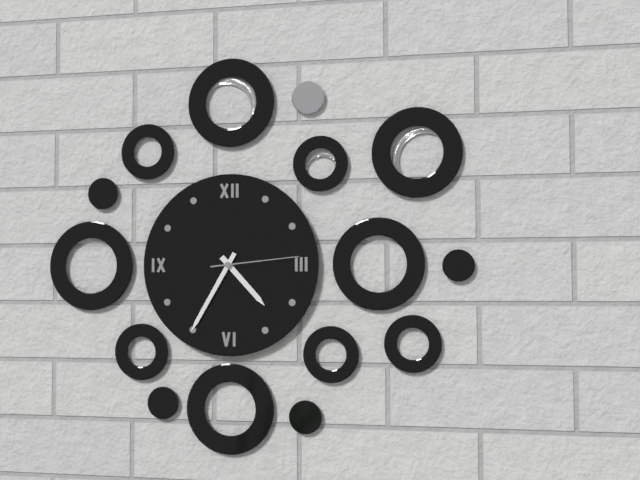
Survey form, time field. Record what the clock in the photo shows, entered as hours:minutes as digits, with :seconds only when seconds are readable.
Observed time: 4:35:14
